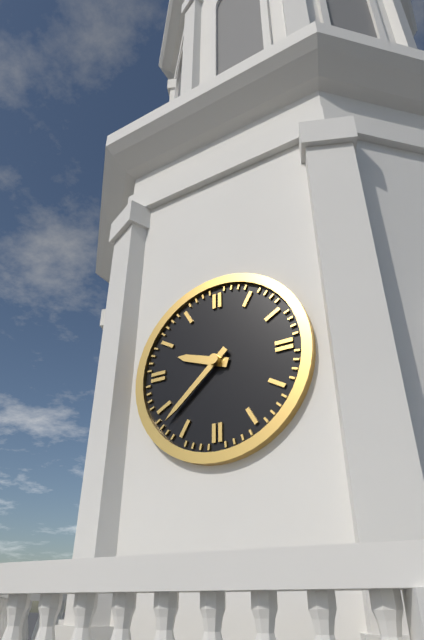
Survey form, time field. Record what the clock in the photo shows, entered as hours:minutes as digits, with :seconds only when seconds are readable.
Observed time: 9:38
